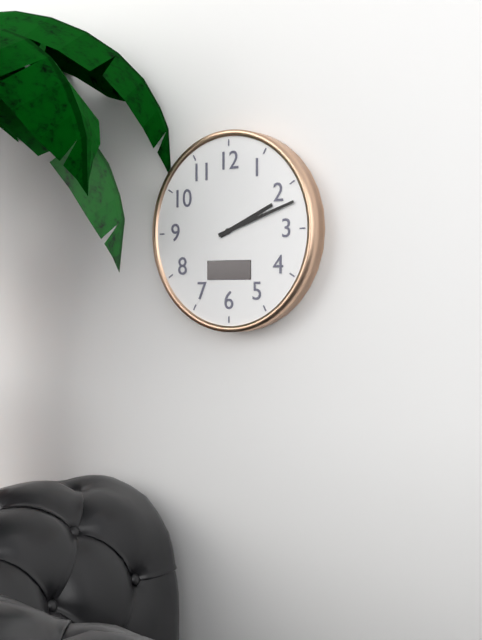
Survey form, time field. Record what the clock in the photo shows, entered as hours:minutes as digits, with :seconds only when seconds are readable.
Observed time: 2:12
